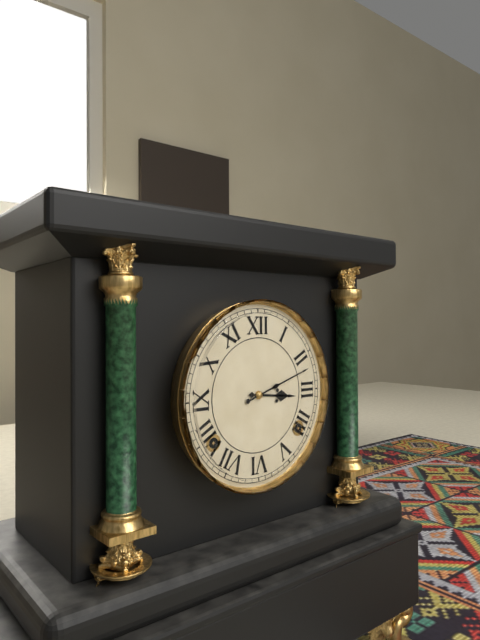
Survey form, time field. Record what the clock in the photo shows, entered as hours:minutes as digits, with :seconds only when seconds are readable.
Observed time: 3:12
